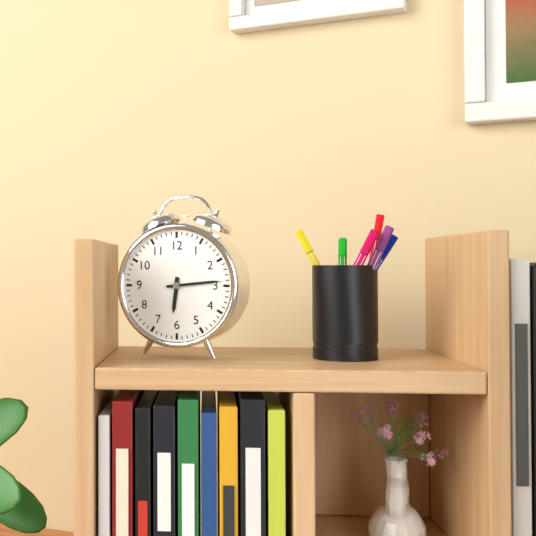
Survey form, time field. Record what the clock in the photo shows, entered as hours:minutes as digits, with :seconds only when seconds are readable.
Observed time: 6:14
